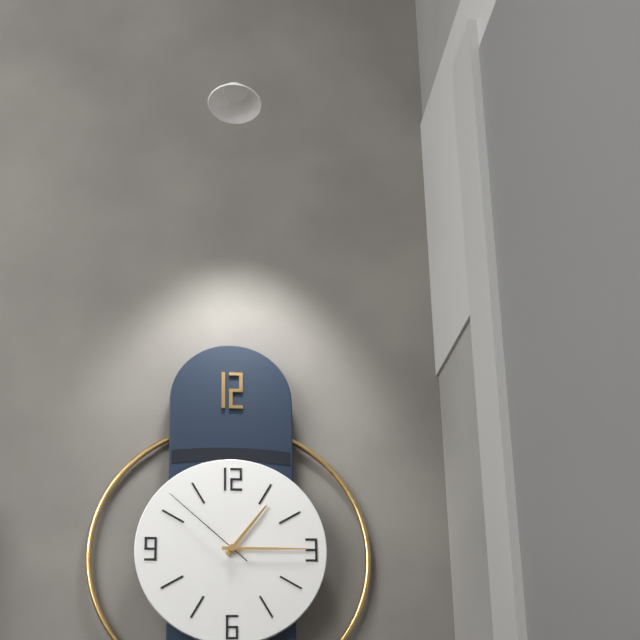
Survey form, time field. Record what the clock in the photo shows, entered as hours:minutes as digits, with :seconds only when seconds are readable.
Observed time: 1:15:52
